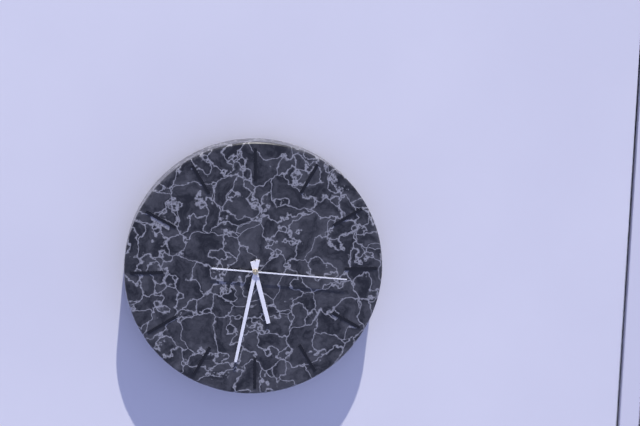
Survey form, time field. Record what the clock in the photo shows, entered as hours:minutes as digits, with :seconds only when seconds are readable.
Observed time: 5:32:16
